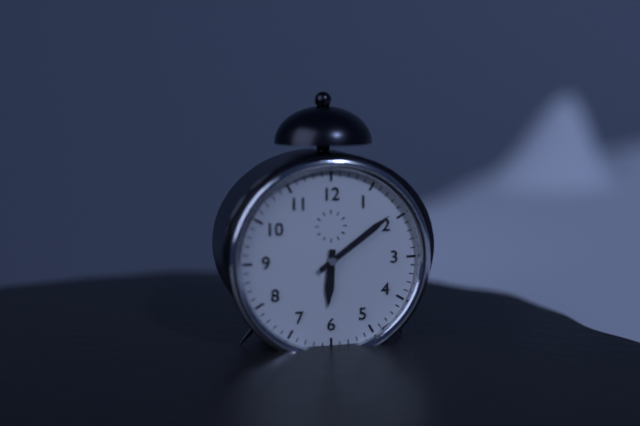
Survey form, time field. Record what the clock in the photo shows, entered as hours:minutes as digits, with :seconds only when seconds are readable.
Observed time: 6:09
